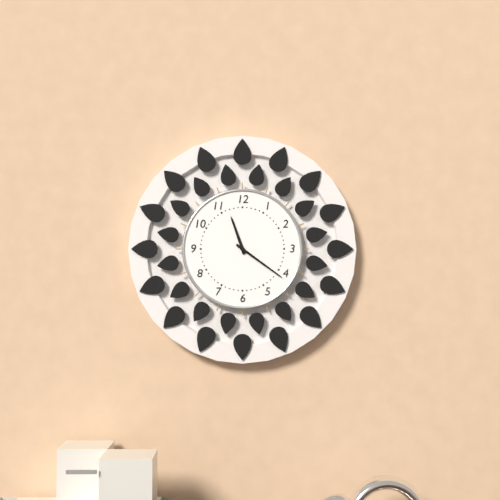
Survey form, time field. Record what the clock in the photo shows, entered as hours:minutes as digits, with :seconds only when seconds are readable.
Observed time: 11:21
